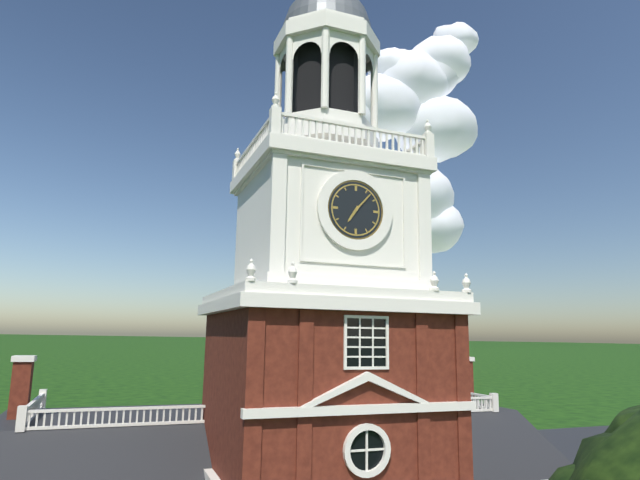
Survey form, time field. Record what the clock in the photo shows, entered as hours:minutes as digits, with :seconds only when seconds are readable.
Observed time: 7:07
